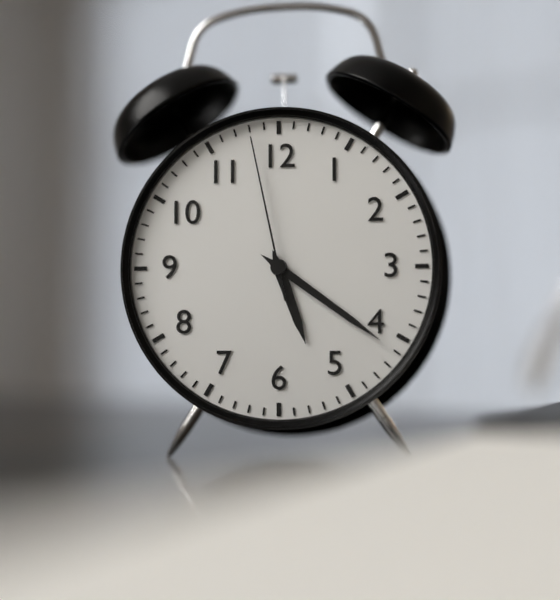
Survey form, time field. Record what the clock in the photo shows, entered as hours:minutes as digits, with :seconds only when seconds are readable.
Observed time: 5:21:58
